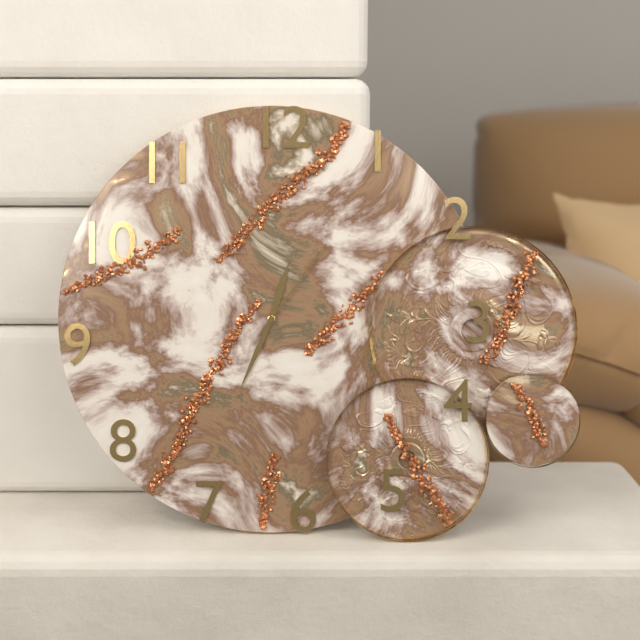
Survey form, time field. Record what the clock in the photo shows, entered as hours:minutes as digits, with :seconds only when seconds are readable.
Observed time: 12:34:06
